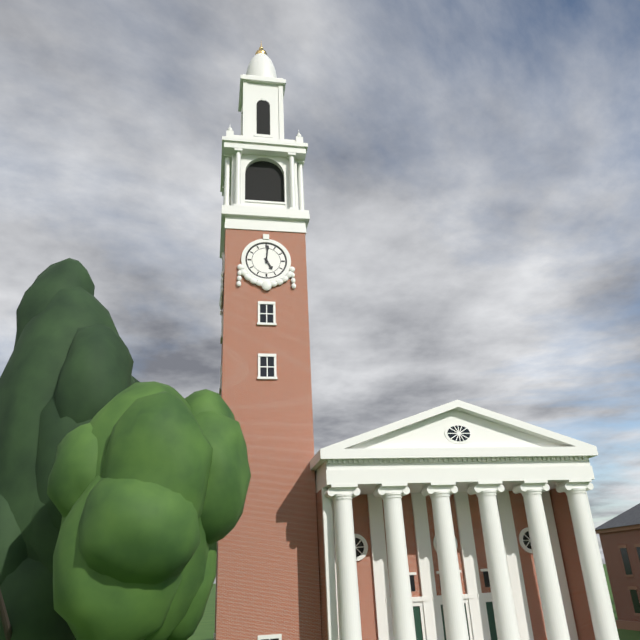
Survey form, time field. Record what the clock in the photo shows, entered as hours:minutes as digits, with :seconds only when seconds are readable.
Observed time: 5:01
